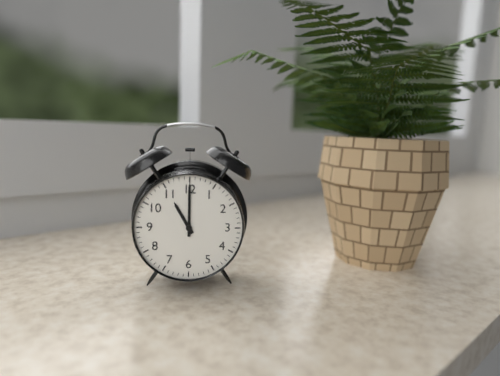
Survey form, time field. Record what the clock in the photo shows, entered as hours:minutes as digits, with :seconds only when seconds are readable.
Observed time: 11:00
